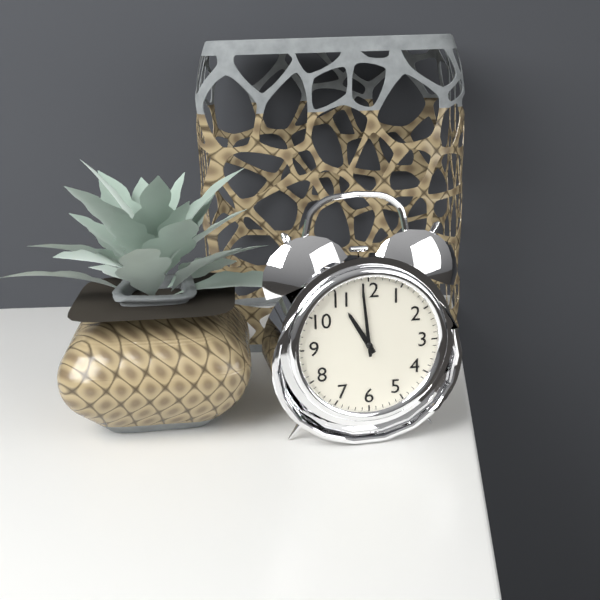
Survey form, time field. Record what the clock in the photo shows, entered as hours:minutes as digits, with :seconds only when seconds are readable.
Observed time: 10:59
